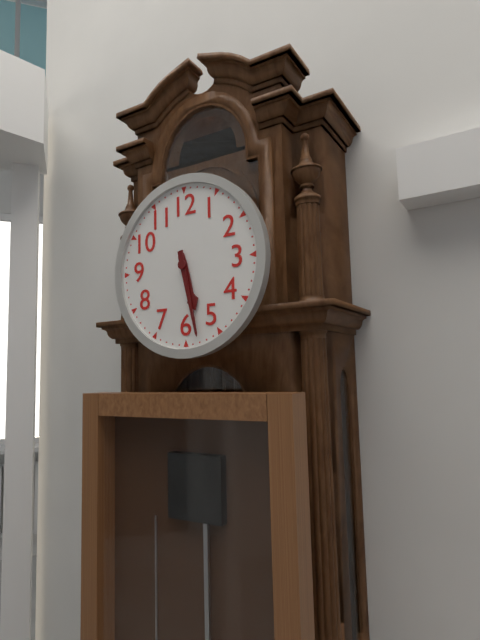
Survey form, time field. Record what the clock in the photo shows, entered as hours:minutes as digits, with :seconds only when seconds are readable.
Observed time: 5:28
